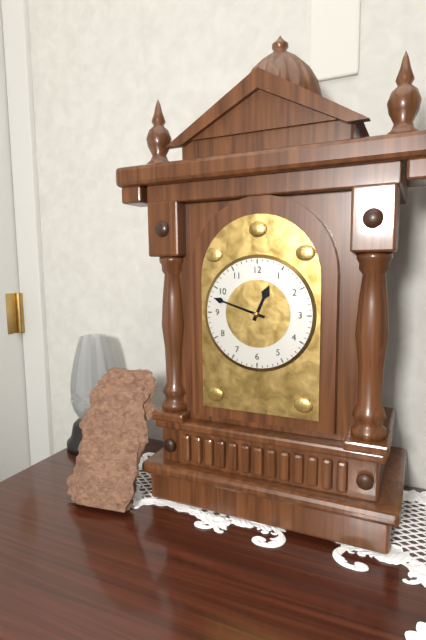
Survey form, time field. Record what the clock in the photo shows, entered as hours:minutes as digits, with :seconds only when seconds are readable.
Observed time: 12:48
